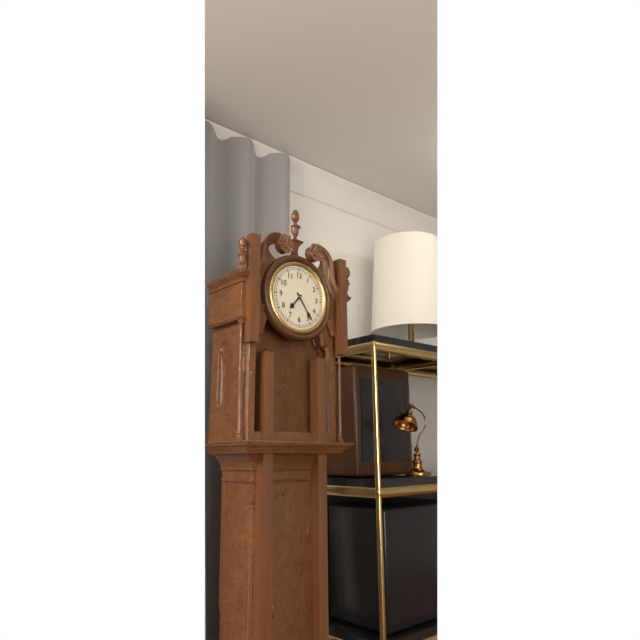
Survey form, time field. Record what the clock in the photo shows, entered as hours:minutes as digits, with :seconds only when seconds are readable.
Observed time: 7:24
